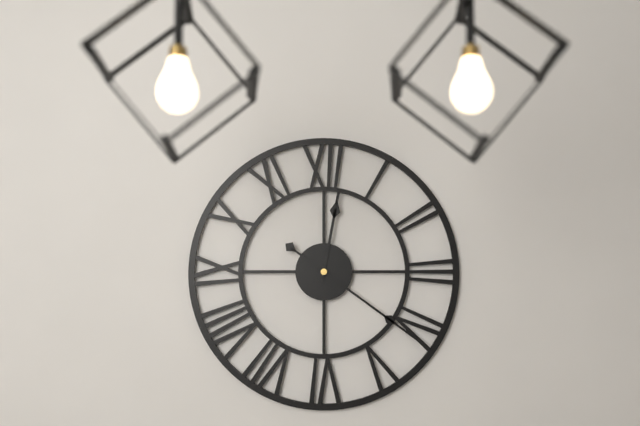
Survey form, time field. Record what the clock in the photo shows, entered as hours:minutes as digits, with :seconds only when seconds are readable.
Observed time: 12:21
